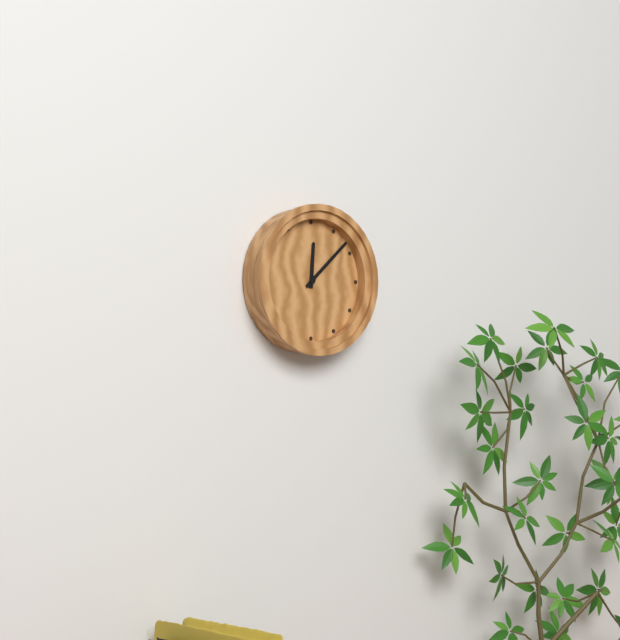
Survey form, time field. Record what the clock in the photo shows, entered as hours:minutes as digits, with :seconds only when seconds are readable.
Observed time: 12:08
